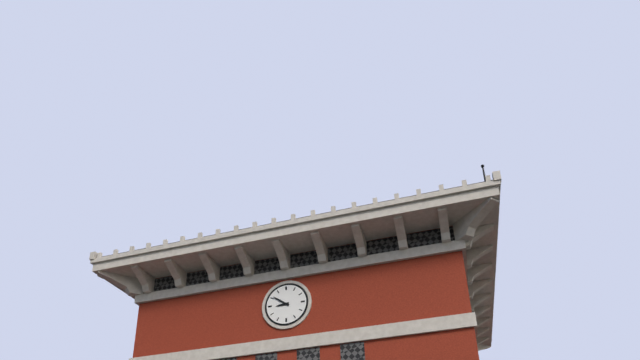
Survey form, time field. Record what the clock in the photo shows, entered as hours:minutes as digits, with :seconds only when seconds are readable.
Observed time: 8:51
